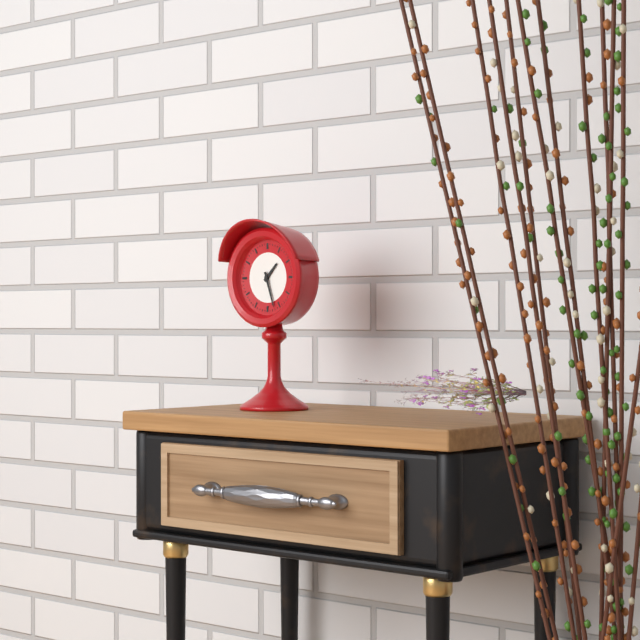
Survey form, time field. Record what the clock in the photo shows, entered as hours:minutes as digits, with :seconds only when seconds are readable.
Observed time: 1:27
